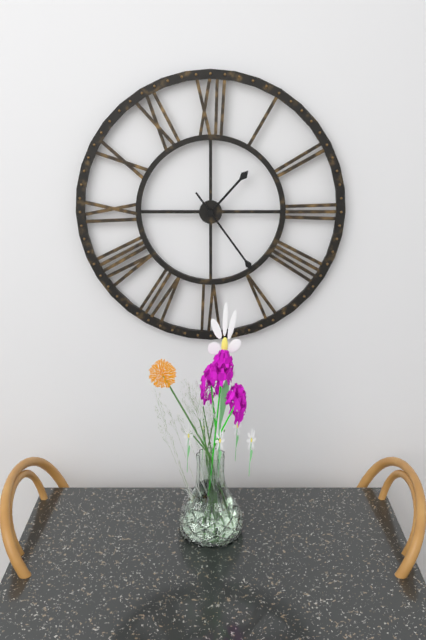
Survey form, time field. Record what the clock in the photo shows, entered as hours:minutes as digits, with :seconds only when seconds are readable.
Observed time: 1:24
